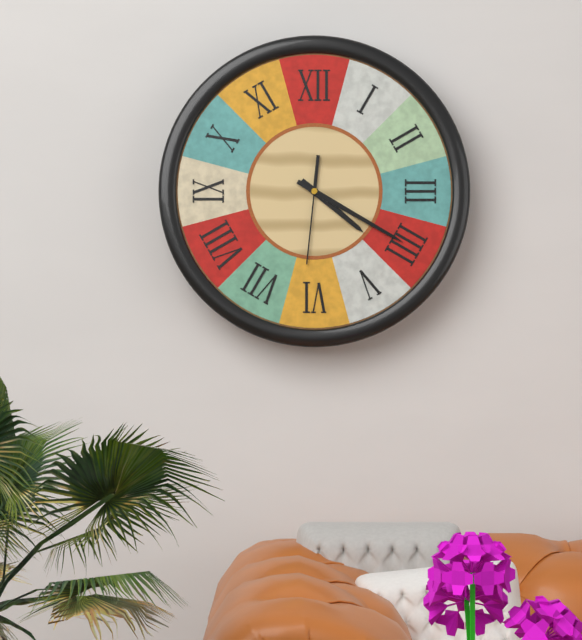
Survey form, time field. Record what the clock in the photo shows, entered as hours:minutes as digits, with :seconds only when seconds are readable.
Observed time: 4:20:31
